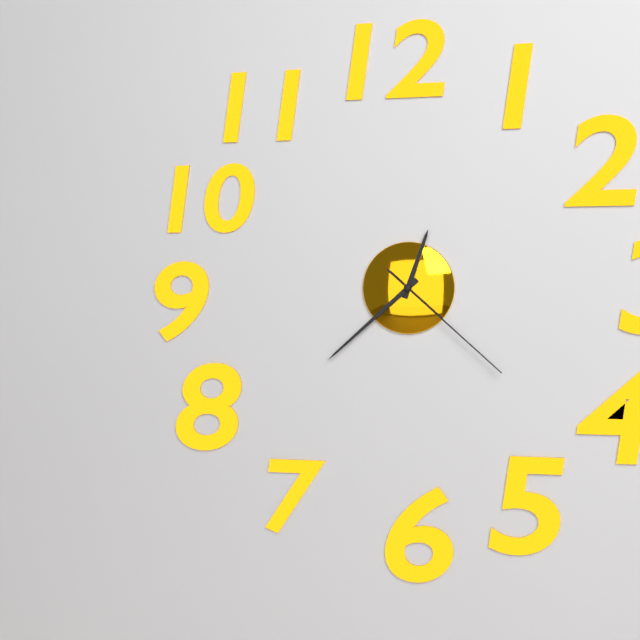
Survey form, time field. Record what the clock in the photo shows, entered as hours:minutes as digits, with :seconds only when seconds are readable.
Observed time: 12:38:22
